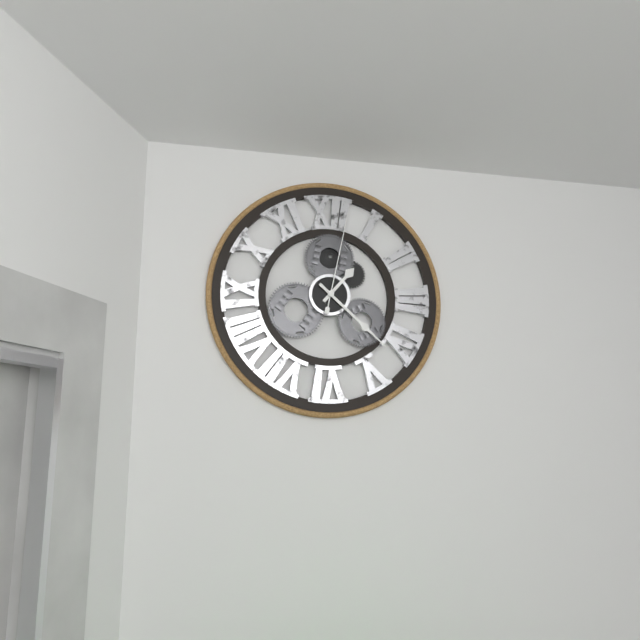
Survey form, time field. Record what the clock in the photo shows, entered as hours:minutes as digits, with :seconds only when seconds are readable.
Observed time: 1:22:02
